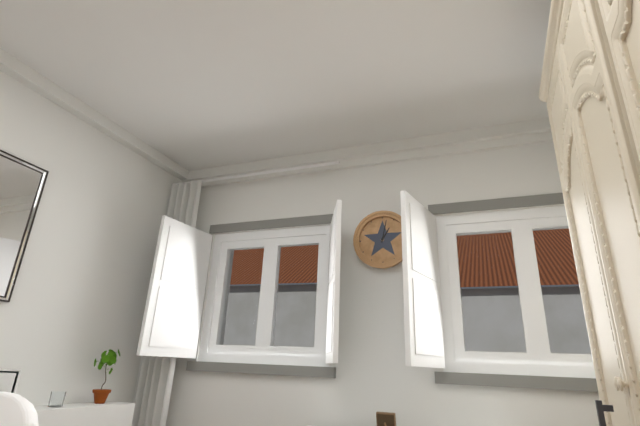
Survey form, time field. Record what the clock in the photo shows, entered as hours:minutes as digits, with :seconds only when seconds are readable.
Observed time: 1:02
